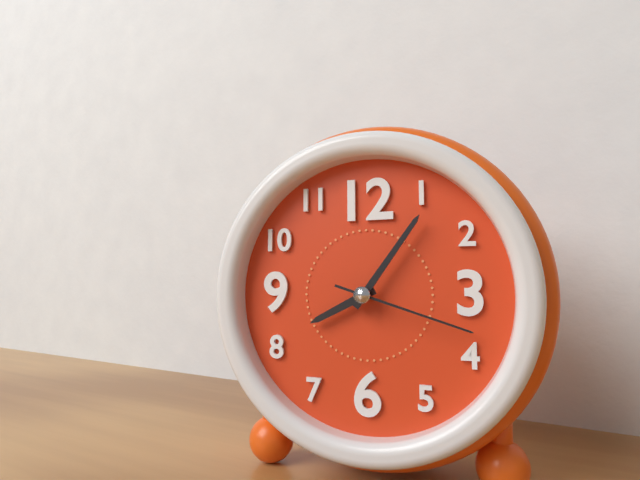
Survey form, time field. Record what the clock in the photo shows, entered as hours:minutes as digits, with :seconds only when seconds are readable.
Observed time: 8:06:18
